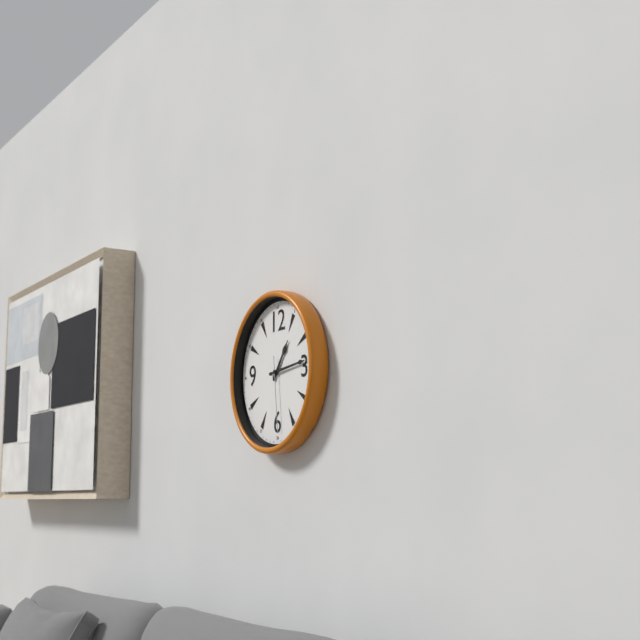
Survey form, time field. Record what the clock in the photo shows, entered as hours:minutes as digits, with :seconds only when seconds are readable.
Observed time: 1:14:29
